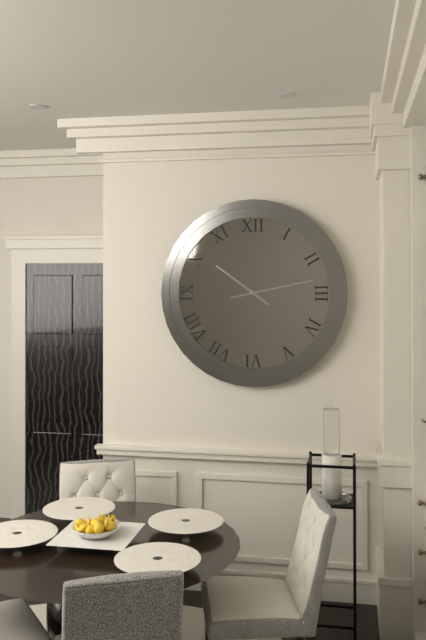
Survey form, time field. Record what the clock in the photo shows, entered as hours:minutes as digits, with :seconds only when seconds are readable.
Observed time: 10:13
